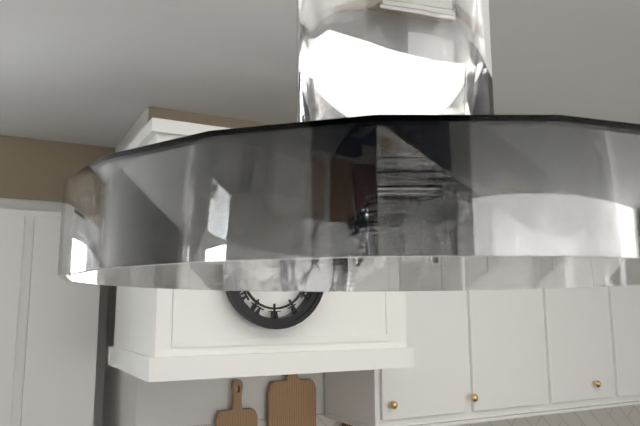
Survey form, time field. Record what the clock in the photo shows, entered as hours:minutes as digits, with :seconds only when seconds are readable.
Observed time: 7:51
